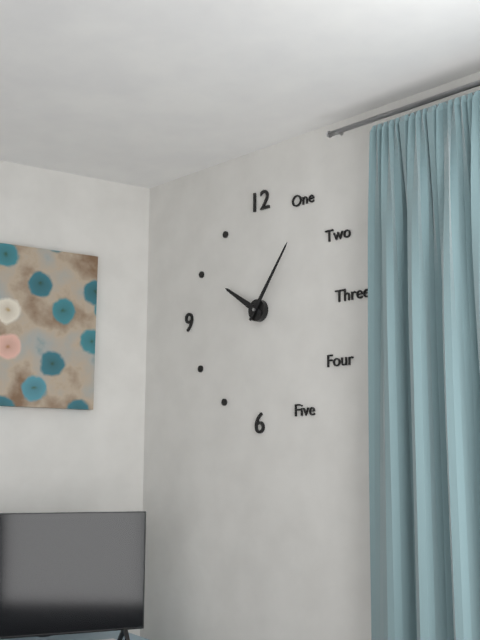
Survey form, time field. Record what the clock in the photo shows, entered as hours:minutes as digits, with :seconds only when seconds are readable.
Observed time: 10:06
